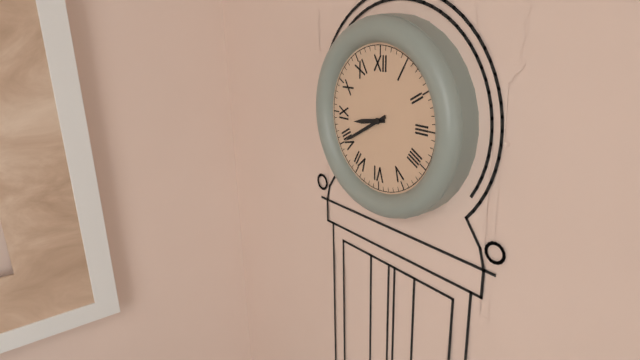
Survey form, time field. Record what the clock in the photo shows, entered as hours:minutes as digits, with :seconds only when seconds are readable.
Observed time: 8:40
